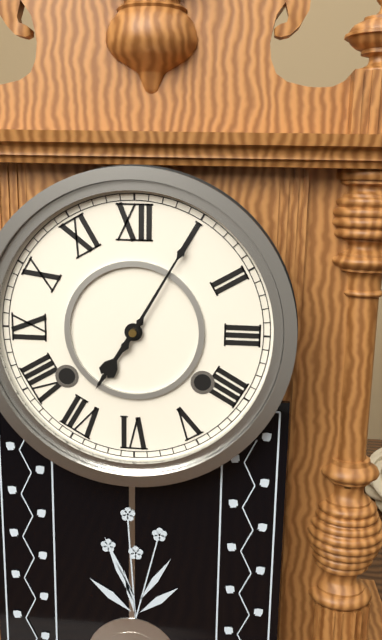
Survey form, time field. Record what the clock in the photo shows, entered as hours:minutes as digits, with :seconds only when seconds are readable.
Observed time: 7:05
